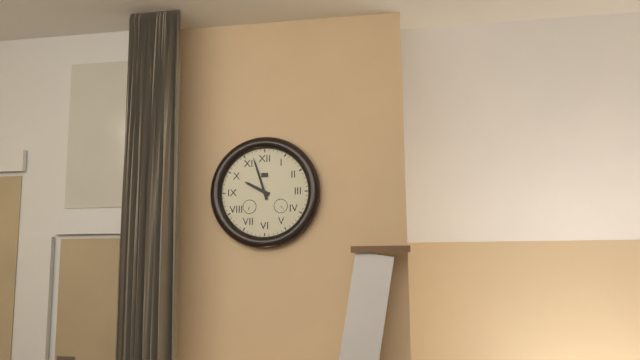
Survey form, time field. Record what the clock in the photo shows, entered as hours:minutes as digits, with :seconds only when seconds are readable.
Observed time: 9:57
